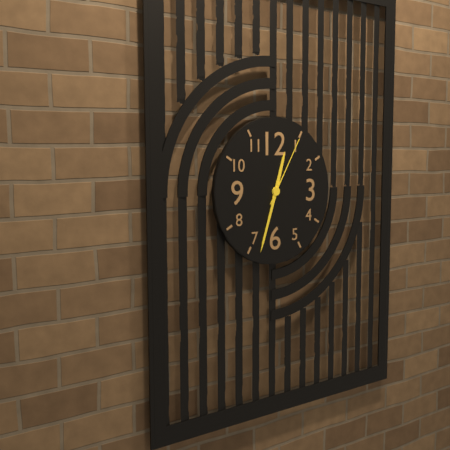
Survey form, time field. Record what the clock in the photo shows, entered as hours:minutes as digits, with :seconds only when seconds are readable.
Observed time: 12:33:05
